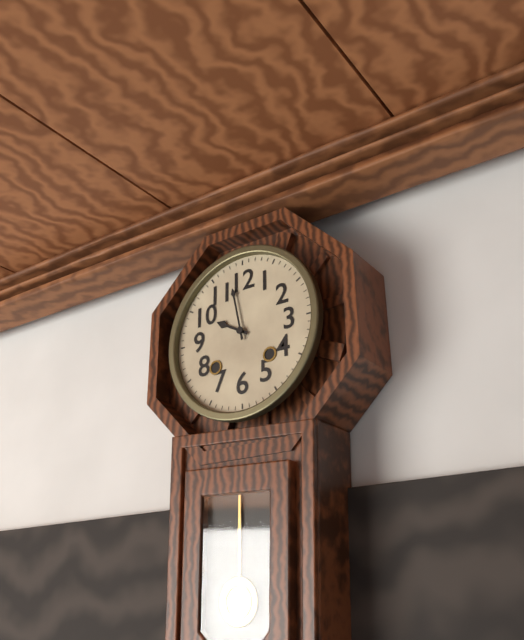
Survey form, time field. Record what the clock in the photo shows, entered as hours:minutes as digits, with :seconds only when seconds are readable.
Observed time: 9:58
